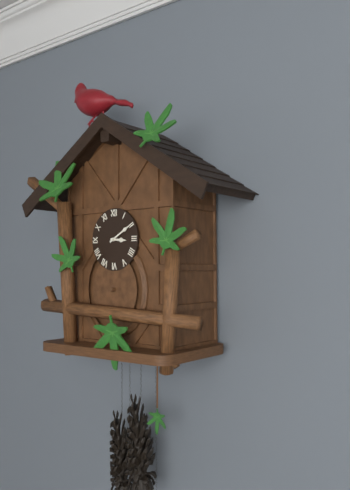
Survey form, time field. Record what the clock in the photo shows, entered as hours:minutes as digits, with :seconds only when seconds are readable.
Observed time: 3:10
